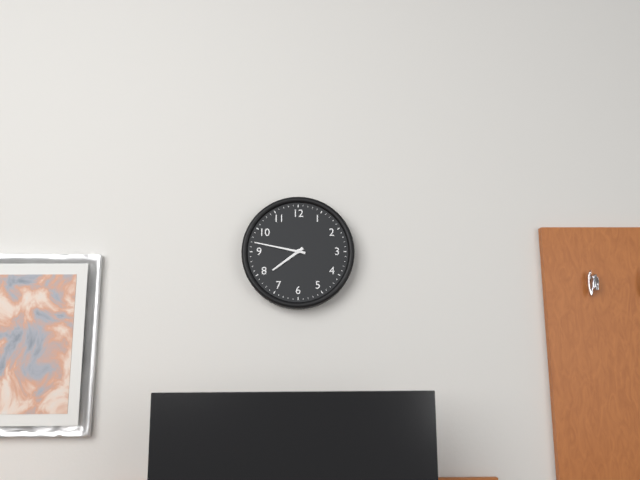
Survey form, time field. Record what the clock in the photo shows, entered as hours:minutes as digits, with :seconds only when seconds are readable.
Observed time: 7:47
